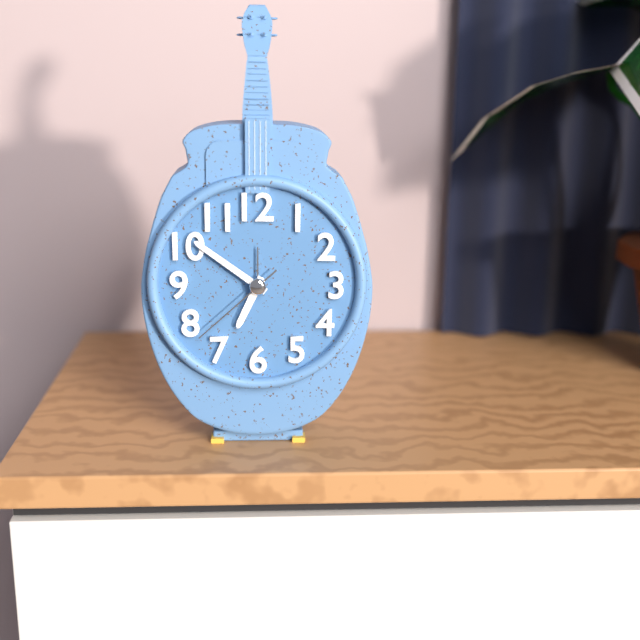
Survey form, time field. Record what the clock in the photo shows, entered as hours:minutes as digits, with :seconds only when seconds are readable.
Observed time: 6:51:38
